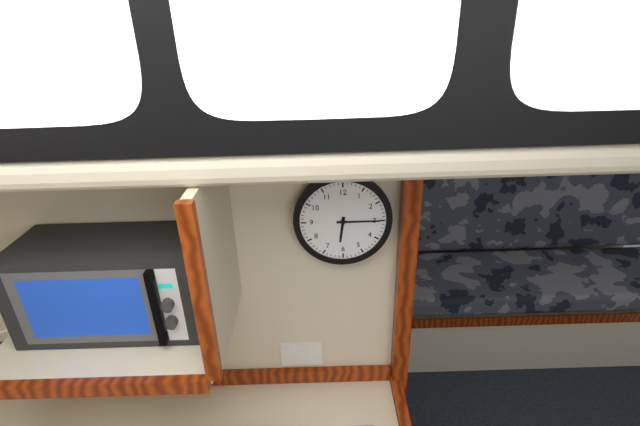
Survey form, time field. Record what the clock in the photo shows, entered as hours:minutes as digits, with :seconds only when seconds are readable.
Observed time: 6:15
